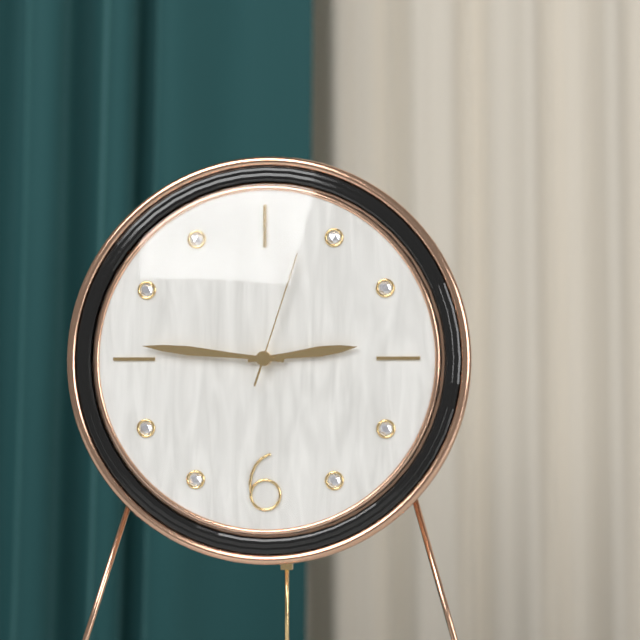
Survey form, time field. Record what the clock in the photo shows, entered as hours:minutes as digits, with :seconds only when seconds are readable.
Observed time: 2:46:03
